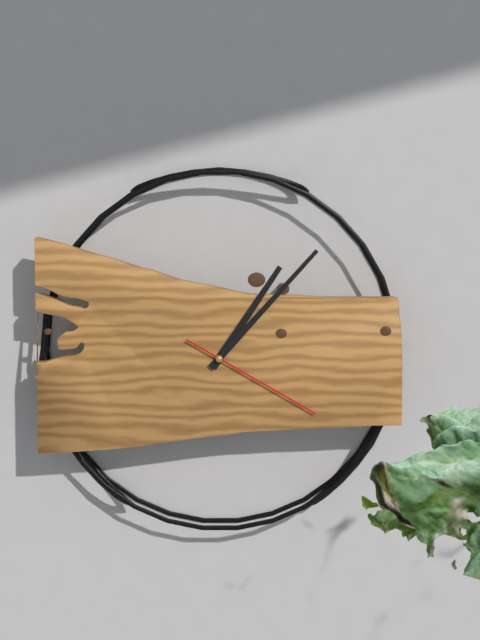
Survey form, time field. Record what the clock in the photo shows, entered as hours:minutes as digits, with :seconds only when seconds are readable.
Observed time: 1:07:20
